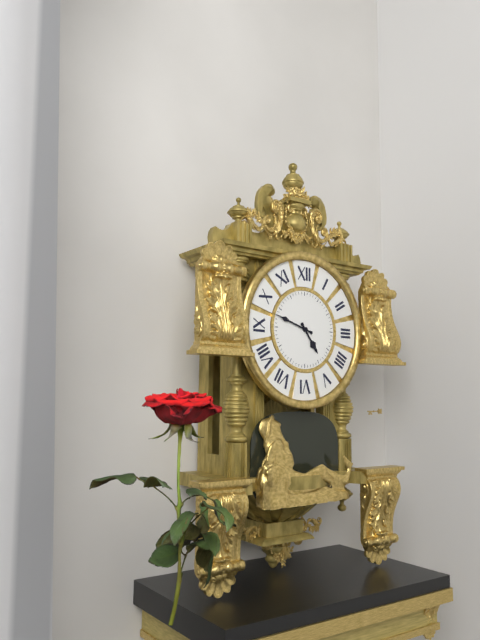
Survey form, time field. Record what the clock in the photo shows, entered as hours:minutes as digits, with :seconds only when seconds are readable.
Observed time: 4:48
